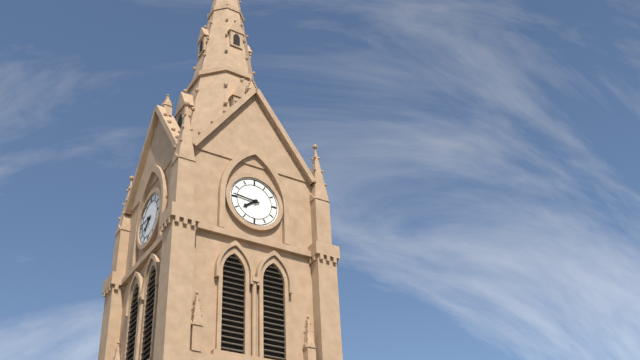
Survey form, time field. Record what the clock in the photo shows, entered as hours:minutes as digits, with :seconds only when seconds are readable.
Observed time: 7:46
